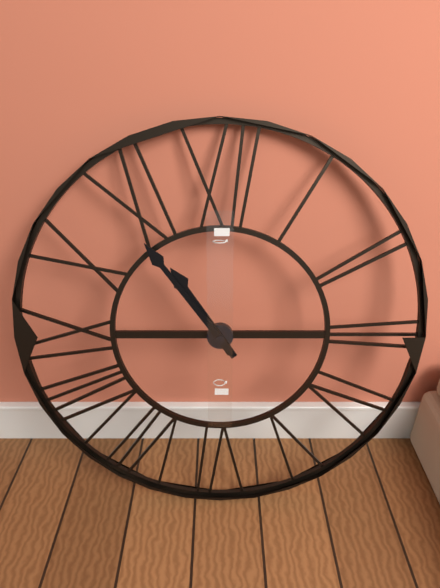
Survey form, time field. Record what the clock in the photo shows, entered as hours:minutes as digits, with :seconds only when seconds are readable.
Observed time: 10:54
